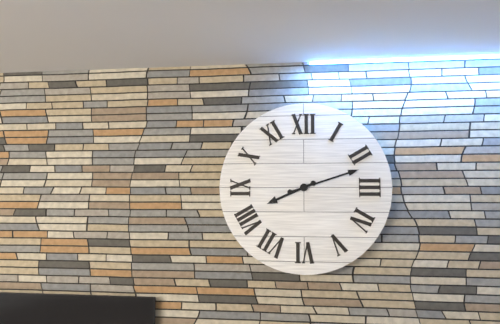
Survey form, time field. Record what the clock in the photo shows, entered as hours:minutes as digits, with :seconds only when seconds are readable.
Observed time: 8:12
